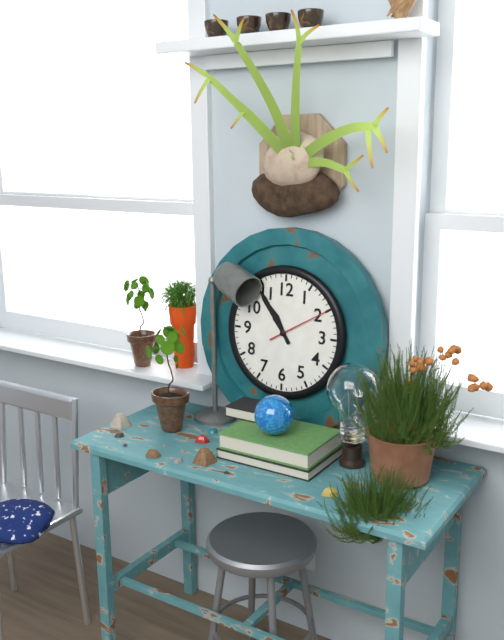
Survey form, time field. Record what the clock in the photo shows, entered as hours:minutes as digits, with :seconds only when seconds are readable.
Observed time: 10:54:10
